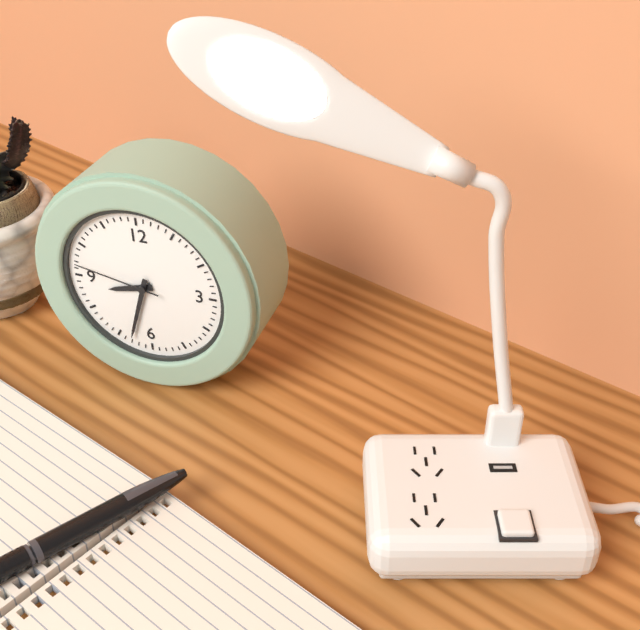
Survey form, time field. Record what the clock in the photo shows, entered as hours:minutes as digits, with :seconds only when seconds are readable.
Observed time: 8:33:47
